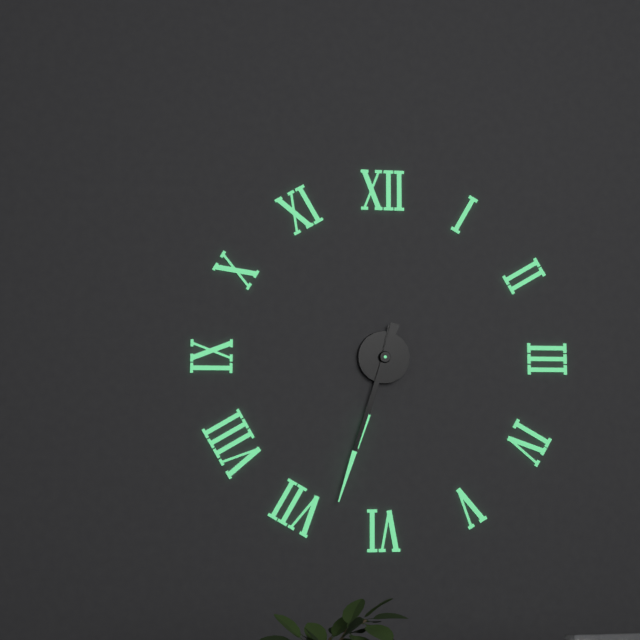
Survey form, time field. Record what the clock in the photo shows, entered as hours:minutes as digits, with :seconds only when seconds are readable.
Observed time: 6:33
